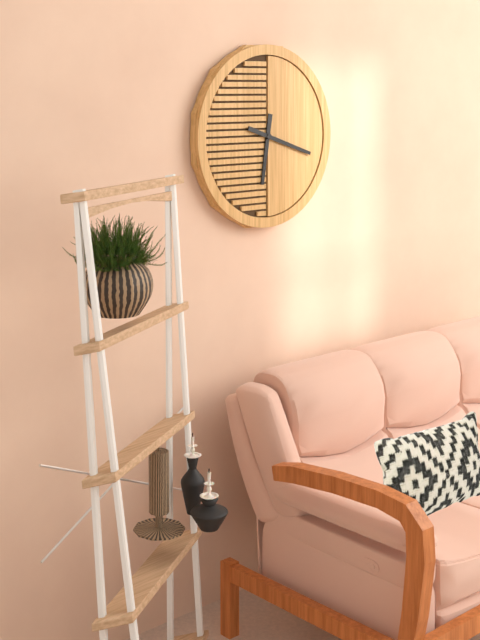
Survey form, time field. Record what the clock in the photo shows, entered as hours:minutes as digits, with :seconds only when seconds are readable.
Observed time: 6:18
